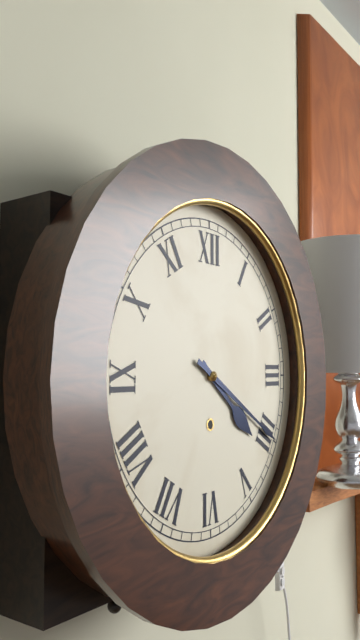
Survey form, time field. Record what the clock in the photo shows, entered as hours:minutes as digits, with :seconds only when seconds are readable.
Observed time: 4:20
